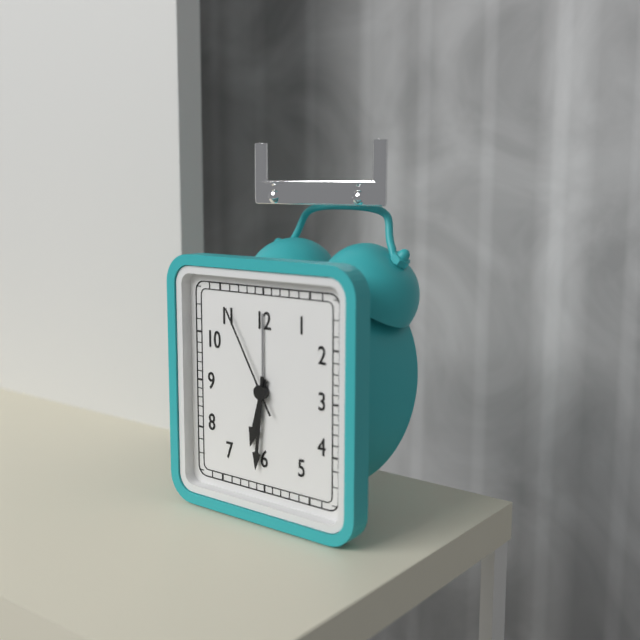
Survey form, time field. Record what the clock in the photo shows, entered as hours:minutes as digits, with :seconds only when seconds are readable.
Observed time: 6:31:55
